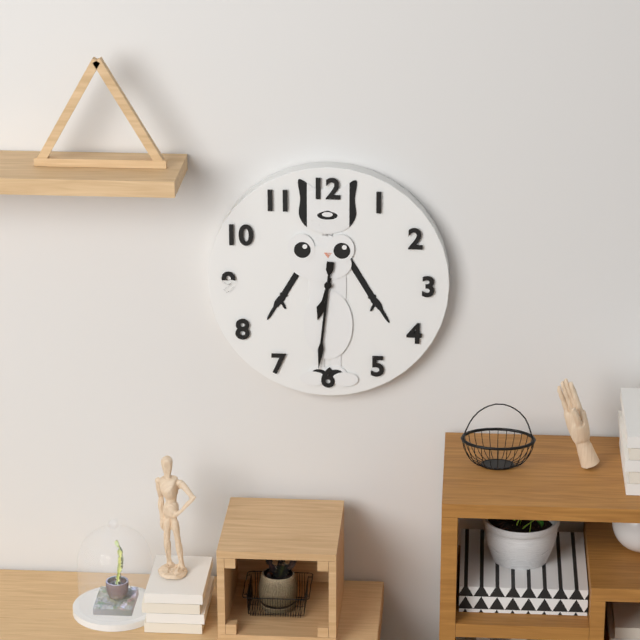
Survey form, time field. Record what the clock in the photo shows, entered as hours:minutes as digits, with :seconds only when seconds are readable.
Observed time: 6:31
